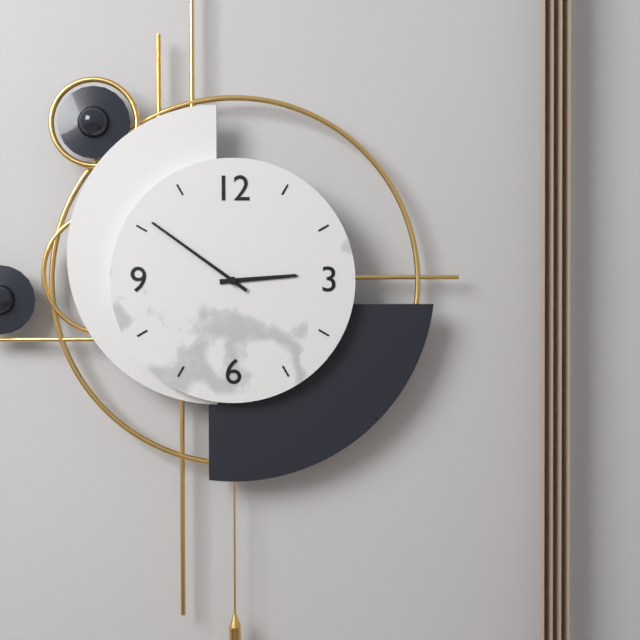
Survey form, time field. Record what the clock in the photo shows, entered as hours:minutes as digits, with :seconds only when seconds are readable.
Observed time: 2:51
